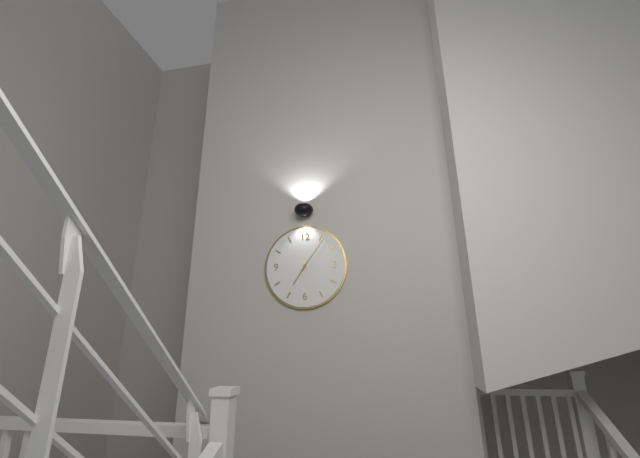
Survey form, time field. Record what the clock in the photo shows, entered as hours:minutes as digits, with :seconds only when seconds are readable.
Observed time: 7:06
